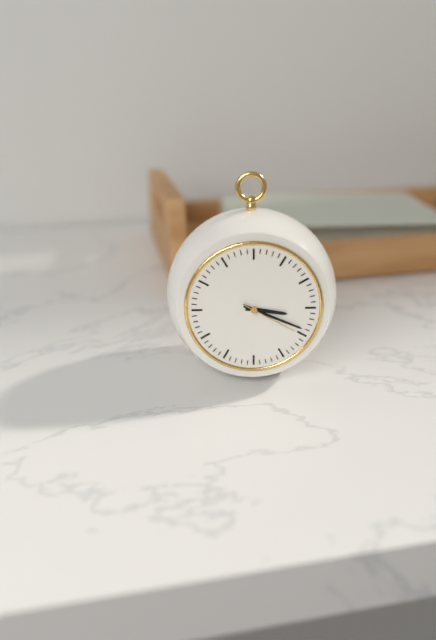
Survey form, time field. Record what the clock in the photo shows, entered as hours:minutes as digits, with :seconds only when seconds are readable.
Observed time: 3:19:20
